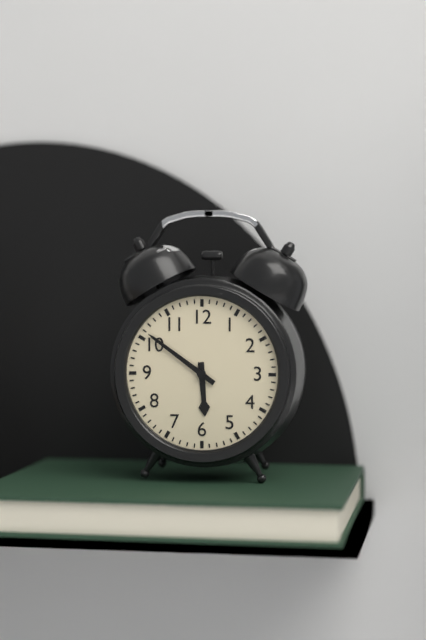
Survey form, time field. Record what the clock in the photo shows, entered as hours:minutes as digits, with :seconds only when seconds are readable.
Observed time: 5:51
